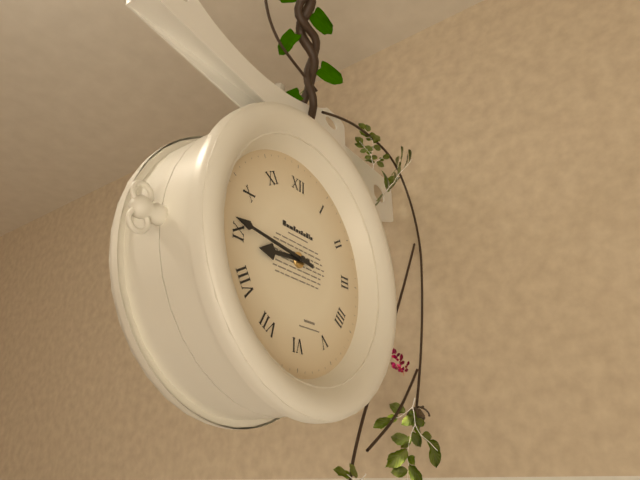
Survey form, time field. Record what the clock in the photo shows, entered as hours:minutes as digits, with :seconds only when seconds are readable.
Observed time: 8:46
